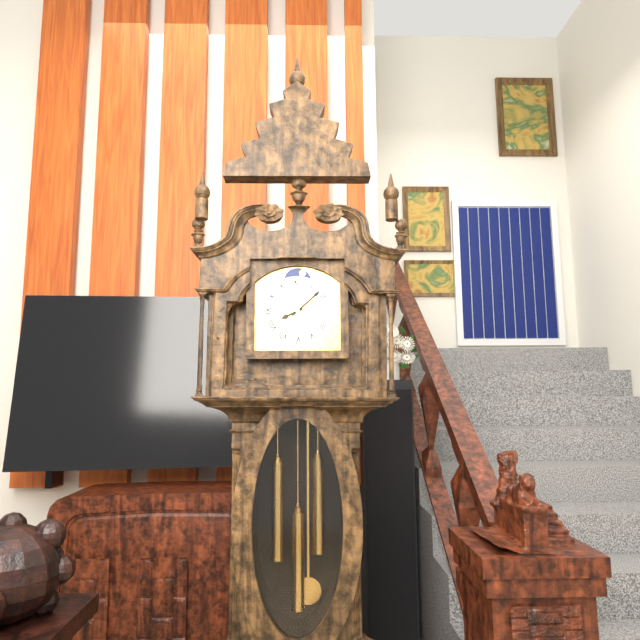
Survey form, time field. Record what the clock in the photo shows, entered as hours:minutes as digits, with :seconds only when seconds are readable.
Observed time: 8:08
